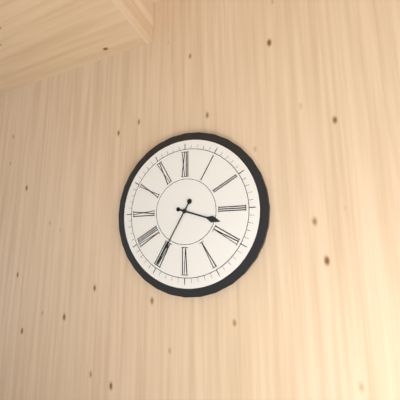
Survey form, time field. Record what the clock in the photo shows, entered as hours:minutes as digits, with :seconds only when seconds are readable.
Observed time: 3:35
